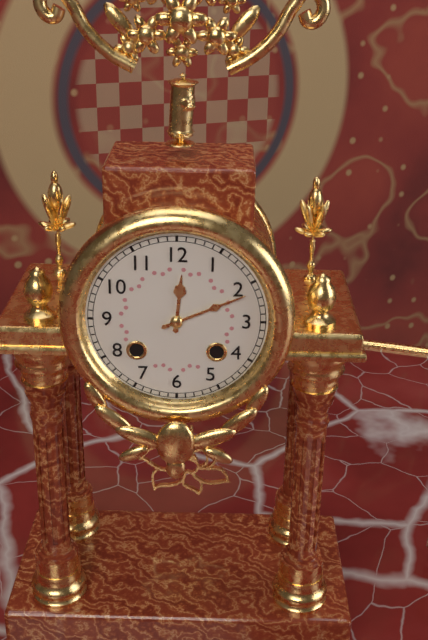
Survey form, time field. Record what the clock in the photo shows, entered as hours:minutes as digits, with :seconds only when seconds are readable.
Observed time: 12:11
